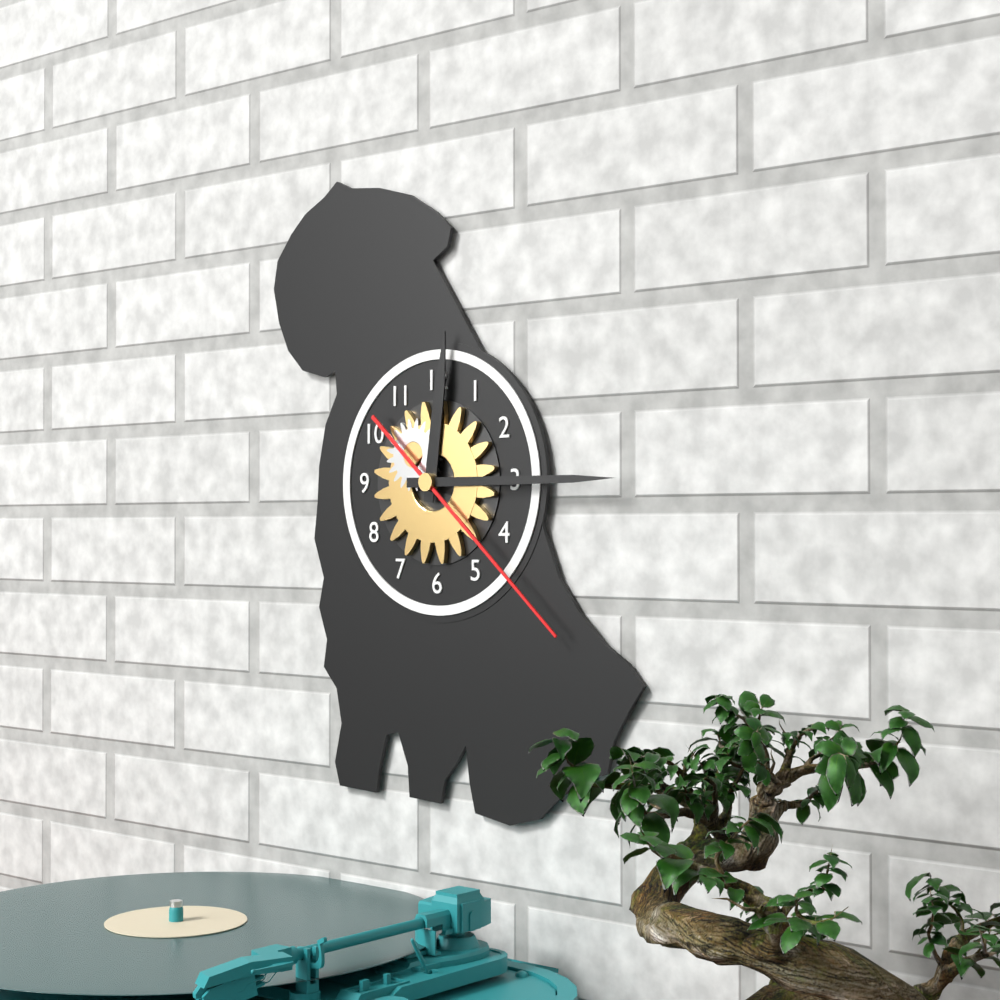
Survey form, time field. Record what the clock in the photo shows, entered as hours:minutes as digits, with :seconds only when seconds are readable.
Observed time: 12:15:22
